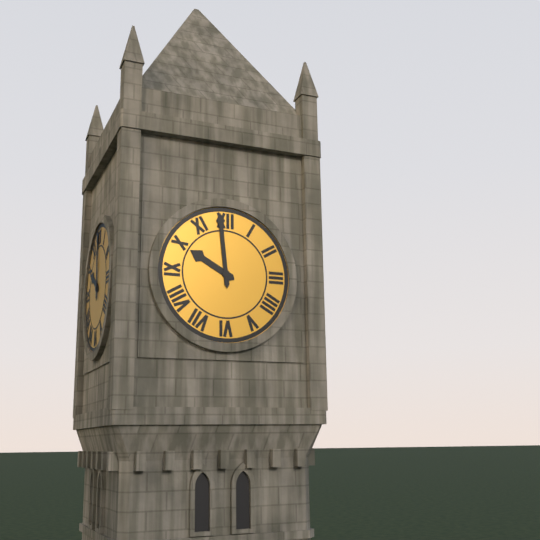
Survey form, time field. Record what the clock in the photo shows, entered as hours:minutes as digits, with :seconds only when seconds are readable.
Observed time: 9:59
